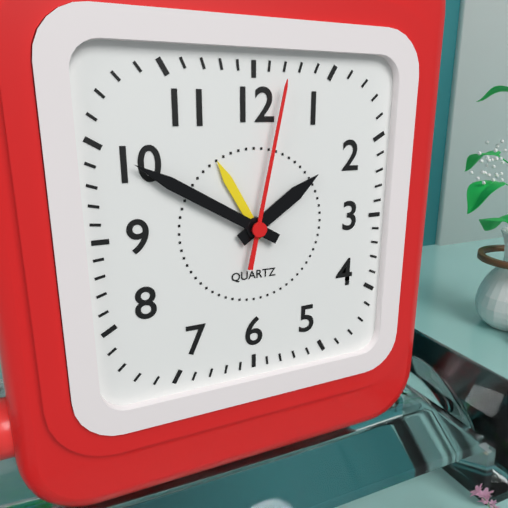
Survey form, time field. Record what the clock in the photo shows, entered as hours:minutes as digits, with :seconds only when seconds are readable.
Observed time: 1:50:02
